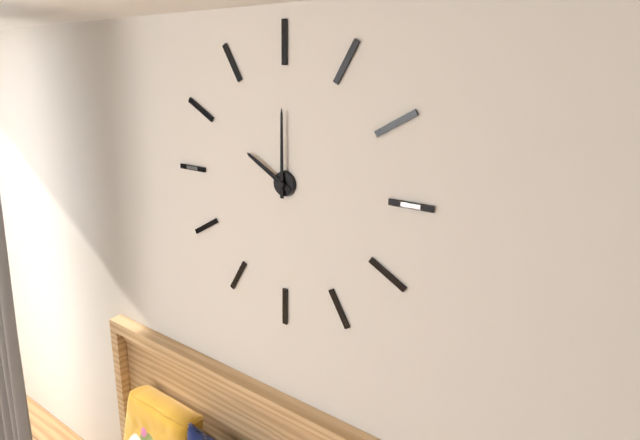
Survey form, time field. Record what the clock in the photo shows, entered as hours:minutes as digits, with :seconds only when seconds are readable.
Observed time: 10:00
